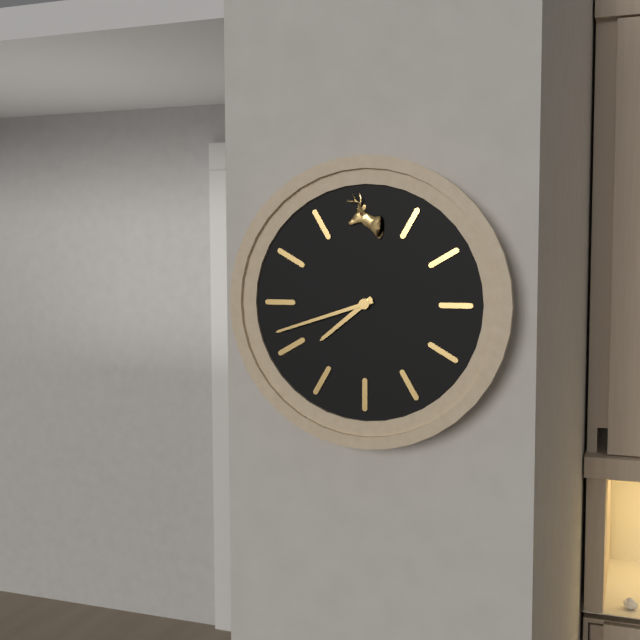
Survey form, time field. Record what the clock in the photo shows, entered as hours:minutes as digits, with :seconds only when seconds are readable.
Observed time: 7:42
